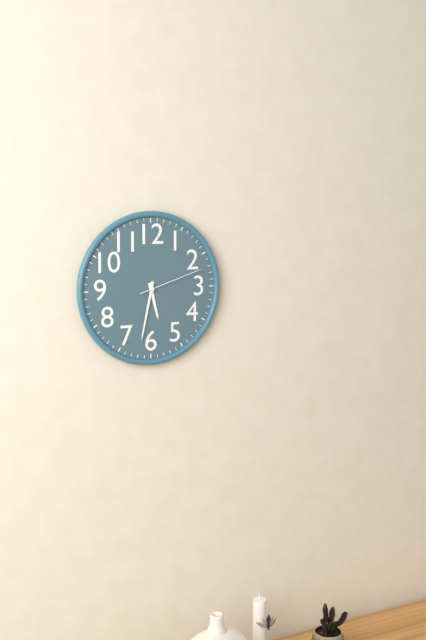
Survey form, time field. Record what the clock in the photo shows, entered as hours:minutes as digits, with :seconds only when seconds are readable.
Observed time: 5:32:12
